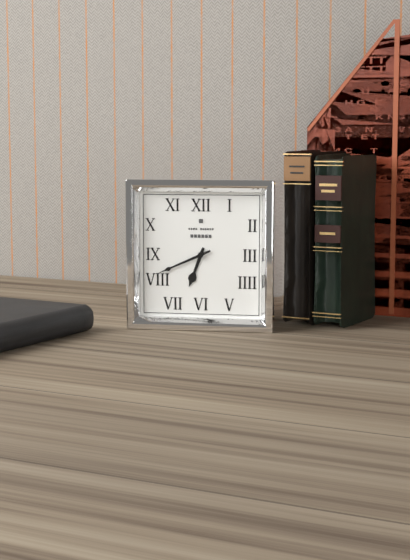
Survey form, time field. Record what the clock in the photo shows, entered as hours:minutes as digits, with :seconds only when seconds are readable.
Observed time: 6:41
